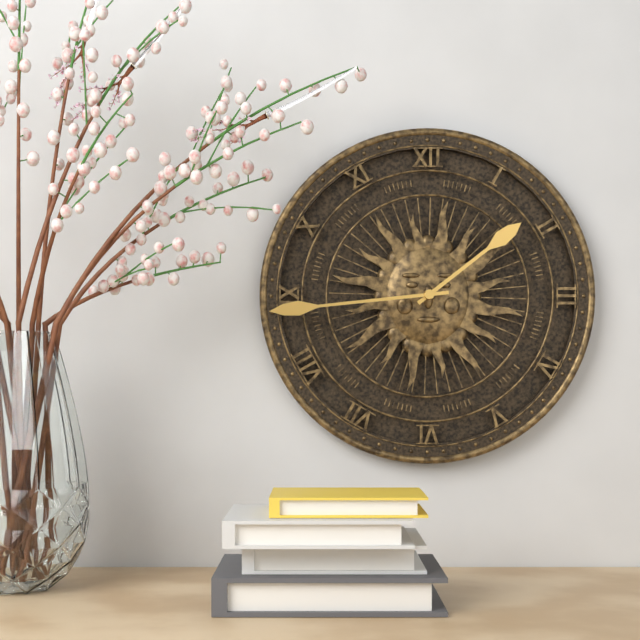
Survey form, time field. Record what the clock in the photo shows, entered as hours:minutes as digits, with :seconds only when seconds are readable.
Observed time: 1:44
